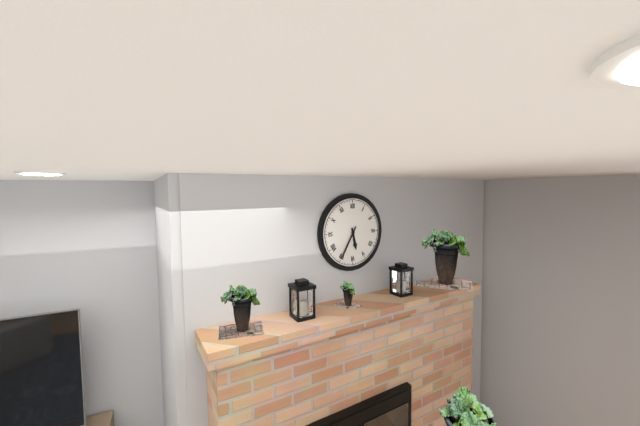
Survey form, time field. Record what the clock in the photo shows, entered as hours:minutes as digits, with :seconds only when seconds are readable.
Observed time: 5:35
